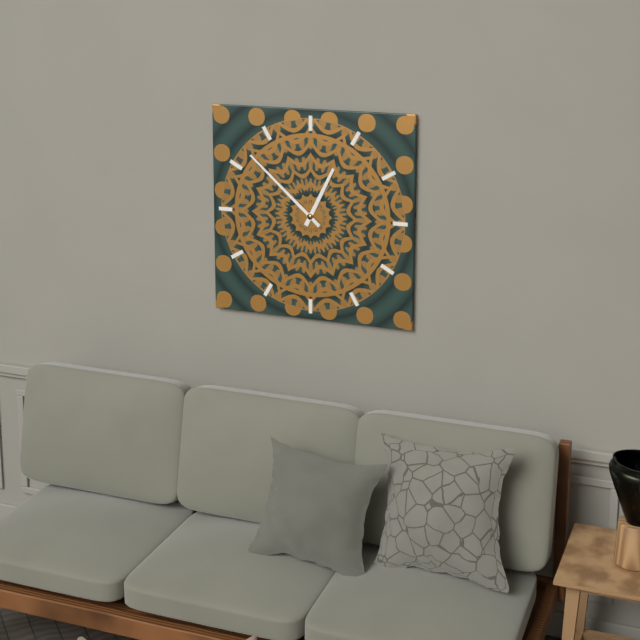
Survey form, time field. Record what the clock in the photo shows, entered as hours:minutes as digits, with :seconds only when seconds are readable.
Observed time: 12:52
